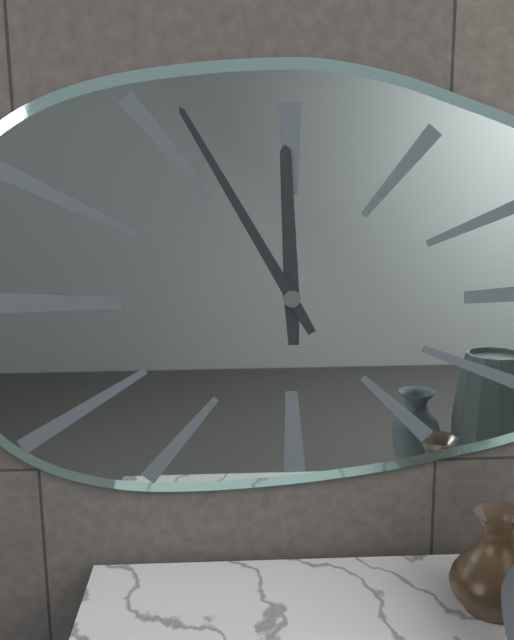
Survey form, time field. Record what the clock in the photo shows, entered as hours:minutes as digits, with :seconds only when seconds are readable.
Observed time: 11:55
